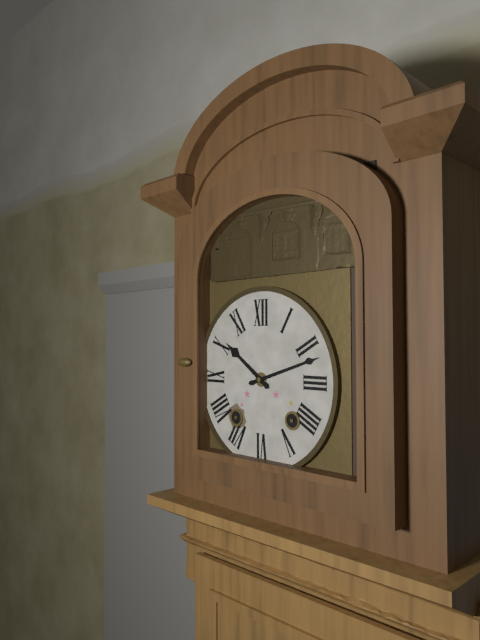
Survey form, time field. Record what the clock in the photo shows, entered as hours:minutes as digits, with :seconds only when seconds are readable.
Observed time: 10:12
